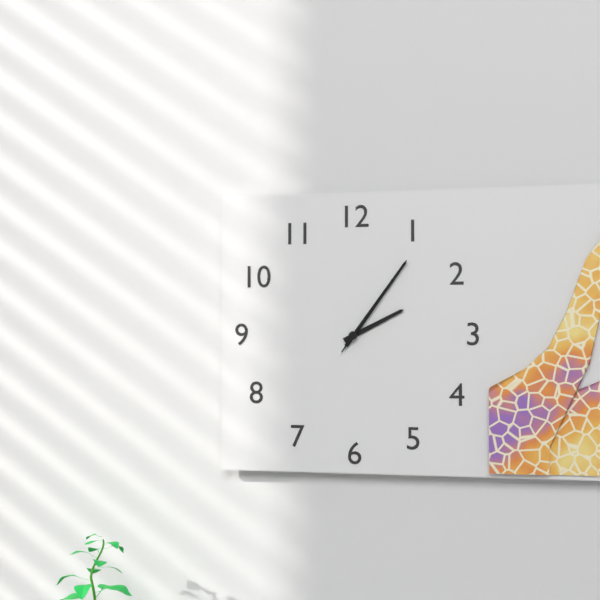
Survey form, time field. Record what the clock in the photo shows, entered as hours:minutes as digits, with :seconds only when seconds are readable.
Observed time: 2:06:06
